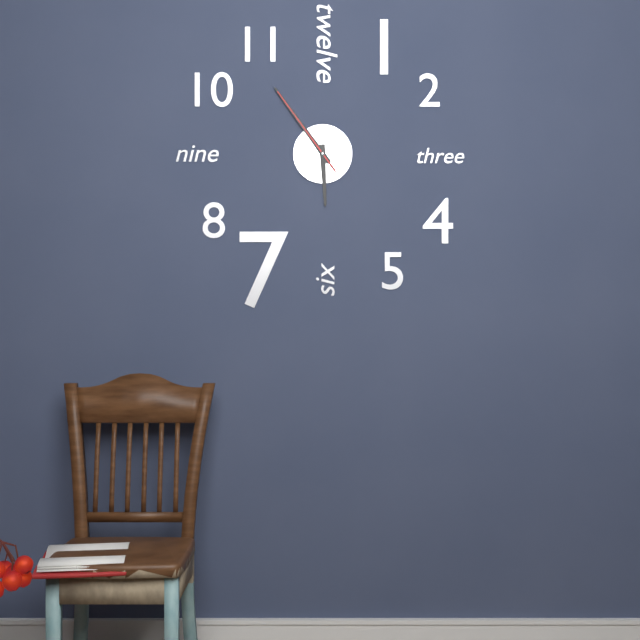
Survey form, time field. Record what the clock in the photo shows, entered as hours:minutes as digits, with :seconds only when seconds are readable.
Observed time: 5:54:54
